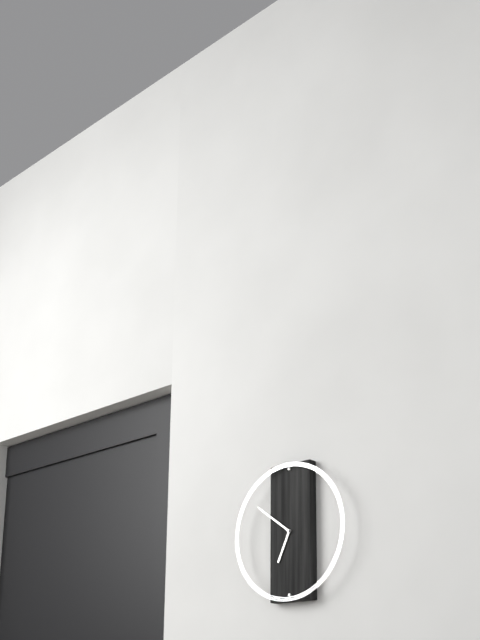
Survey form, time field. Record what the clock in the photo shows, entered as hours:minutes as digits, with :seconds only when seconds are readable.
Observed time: 6:51
